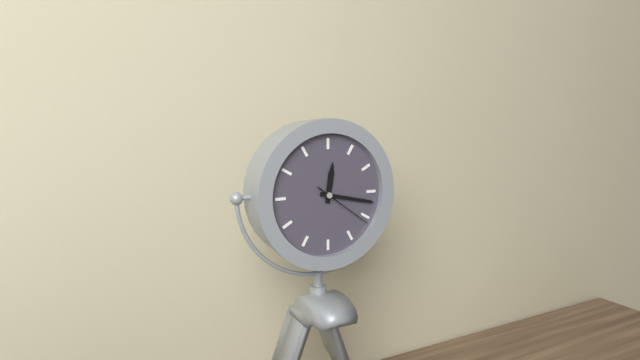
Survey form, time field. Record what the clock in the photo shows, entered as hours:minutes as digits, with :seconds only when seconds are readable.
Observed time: 12:17:21
